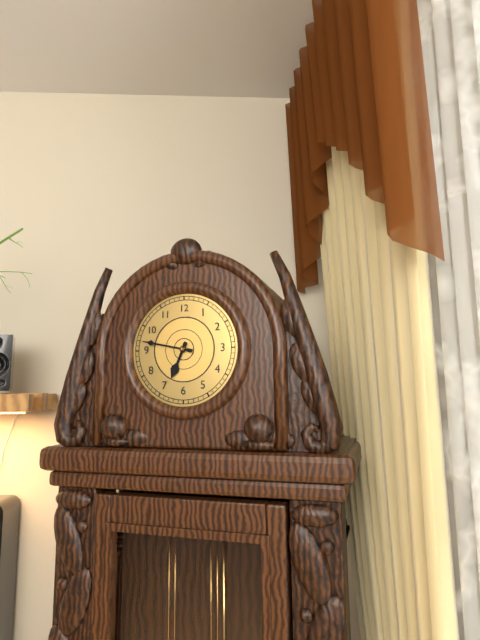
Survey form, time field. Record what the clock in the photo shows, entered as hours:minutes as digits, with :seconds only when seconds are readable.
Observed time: 6:47
